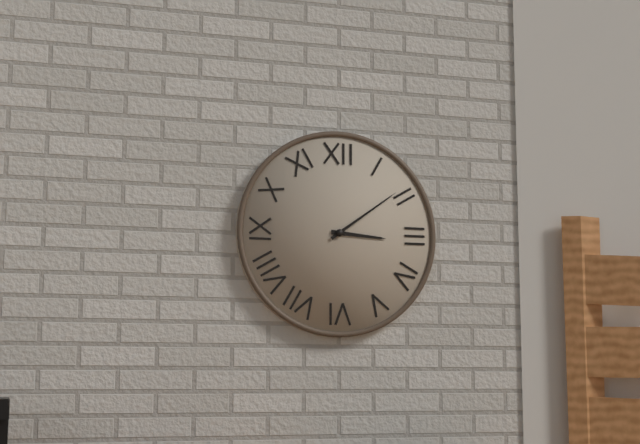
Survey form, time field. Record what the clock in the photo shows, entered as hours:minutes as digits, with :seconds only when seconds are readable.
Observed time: 3:09
